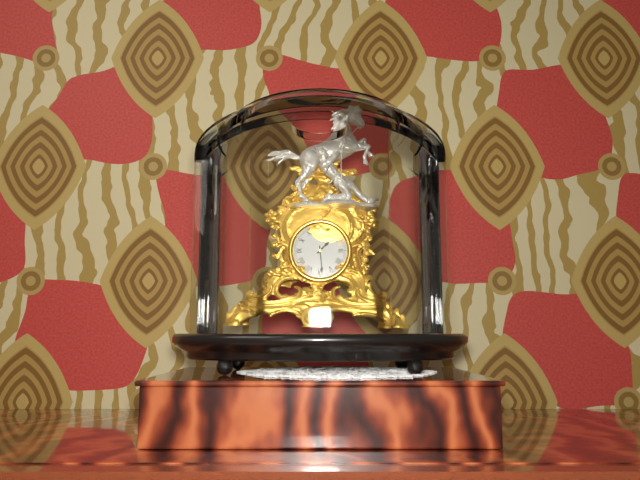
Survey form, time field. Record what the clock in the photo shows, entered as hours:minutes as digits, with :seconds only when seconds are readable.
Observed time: 1:29
